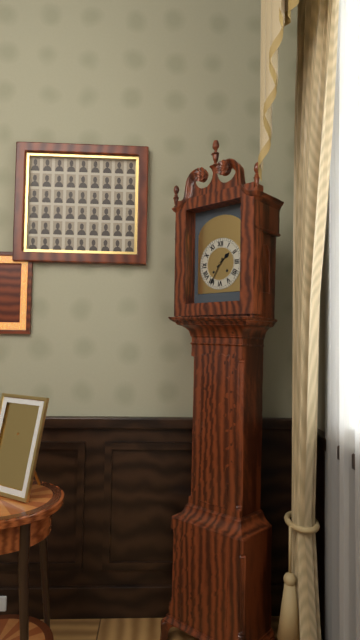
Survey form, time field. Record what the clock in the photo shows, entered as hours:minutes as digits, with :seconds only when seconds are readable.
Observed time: 1:35
